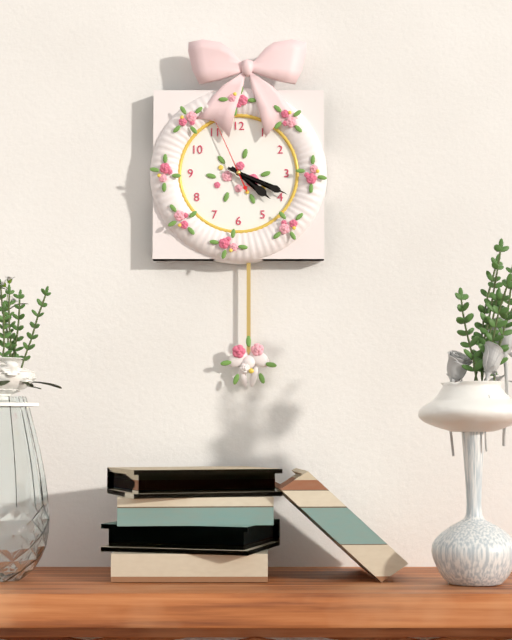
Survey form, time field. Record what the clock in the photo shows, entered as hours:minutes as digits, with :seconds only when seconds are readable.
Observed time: 4:19:56
